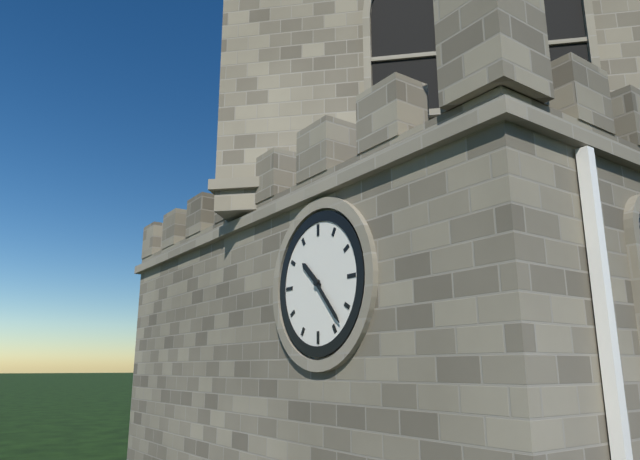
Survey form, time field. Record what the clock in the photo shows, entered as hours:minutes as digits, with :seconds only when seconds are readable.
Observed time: 10:23
